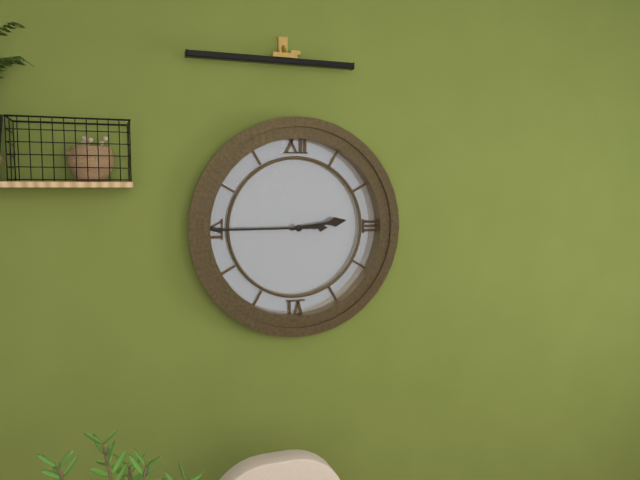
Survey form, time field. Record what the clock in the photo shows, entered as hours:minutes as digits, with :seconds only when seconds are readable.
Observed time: 2:45
